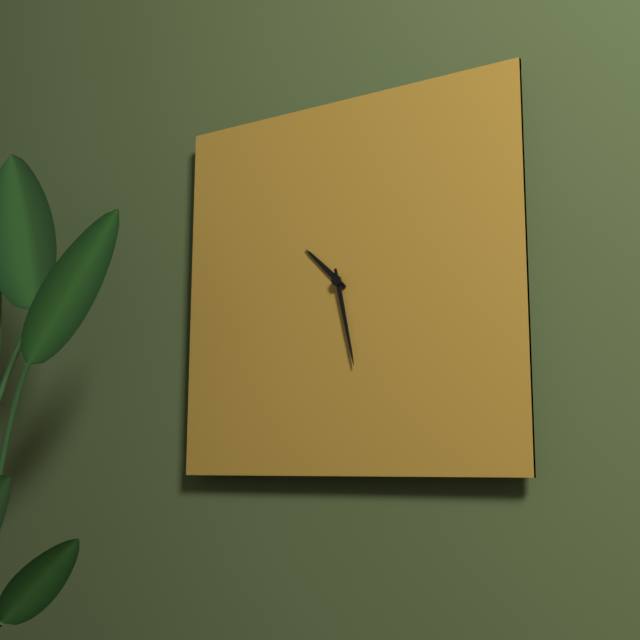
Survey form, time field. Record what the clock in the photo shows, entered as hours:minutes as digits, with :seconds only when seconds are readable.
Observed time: 10:28
